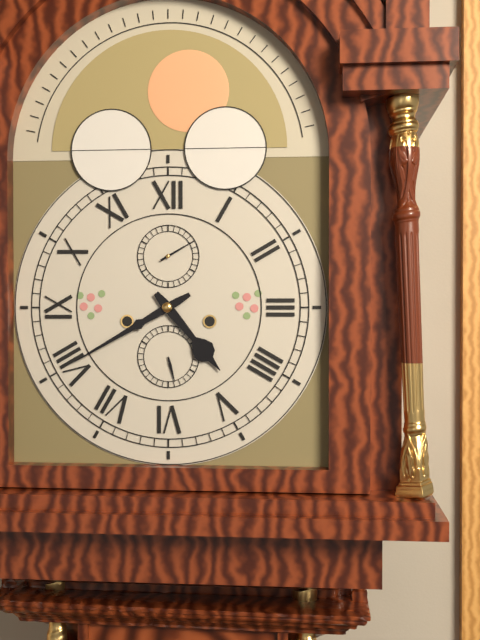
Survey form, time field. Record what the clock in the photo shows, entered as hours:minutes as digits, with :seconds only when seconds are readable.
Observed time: 4:40
